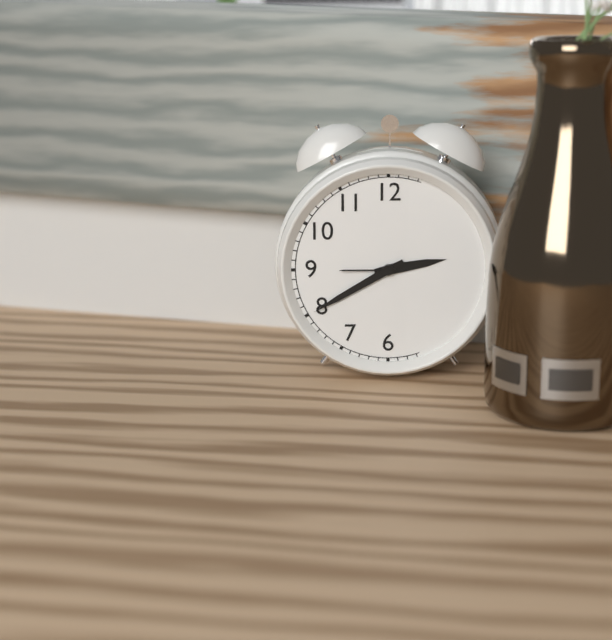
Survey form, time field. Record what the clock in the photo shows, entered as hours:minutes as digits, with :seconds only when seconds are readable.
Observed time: 2:40
